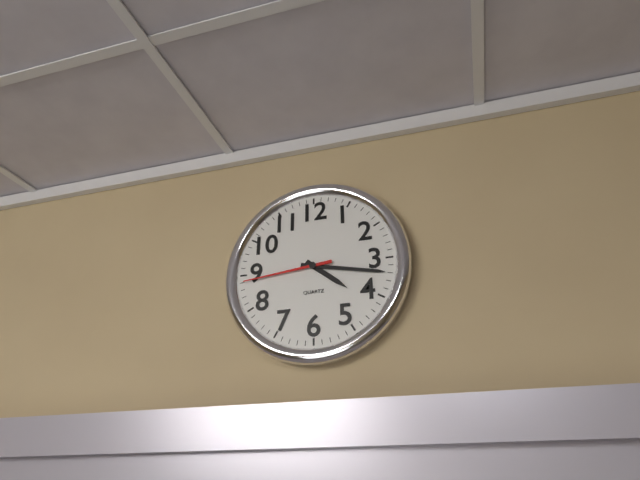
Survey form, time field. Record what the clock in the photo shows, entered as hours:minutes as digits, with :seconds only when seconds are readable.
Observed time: 4:17:44
